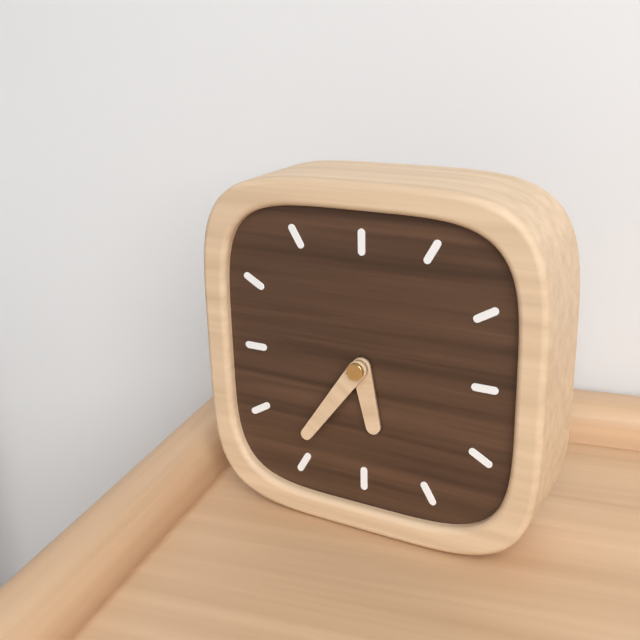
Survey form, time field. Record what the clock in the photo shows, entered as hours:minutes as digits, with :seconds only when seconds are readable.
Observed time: 5:36
